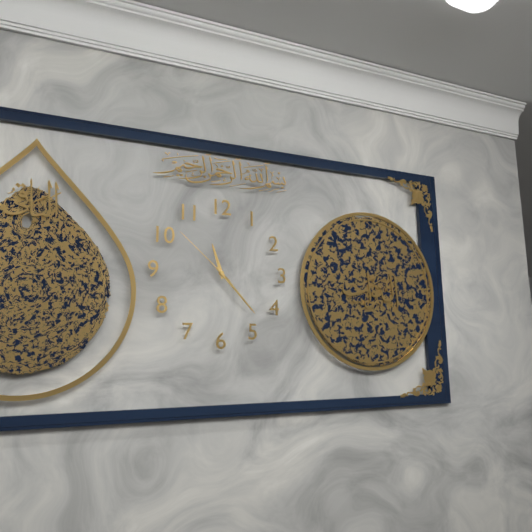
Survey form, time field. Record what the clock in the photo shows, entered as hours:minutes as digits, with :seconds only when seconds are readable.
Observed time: 11:23:52
